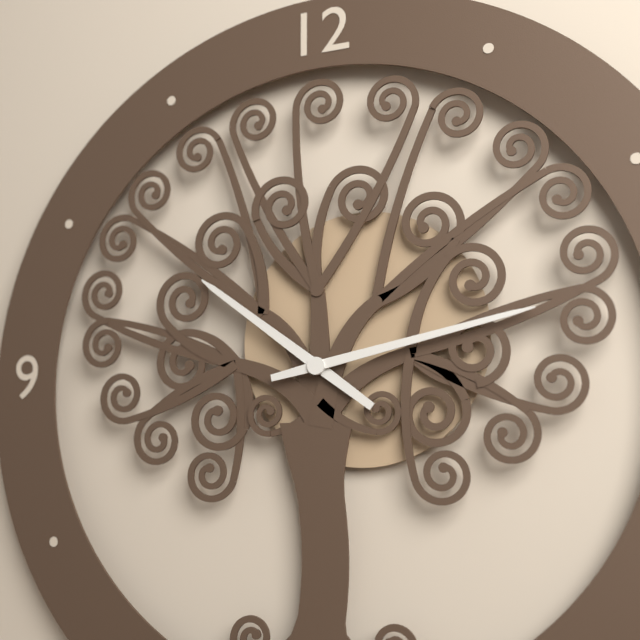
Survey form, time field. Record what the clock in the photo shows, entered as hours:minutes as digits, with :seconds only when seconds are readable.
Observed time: 10:13
